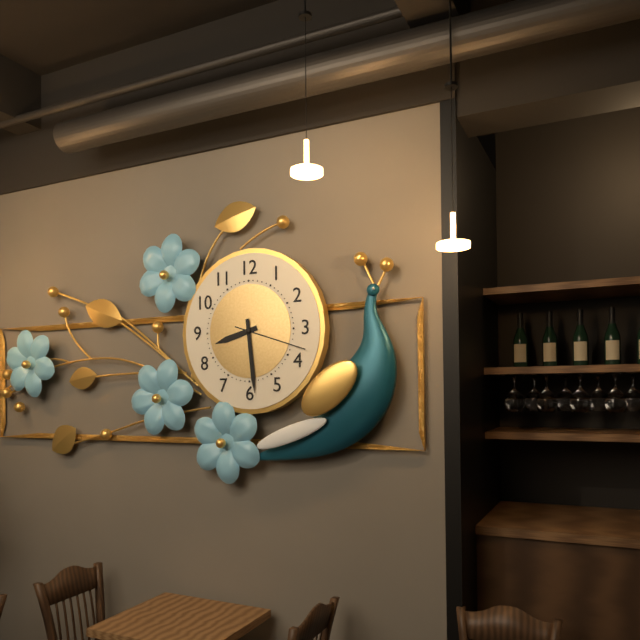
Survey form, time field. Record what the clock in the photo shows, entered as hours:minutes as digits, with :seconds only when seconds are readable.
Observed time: 8:29:18
